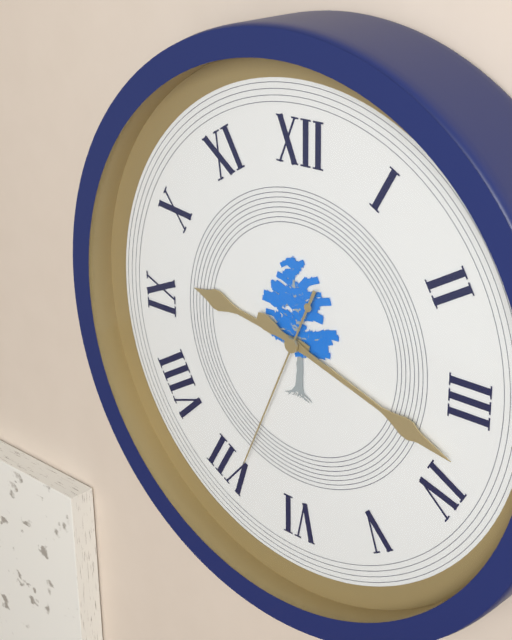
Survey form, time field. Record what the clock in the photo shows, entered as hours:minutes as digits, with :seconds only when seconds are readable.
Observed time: 9:18:34
